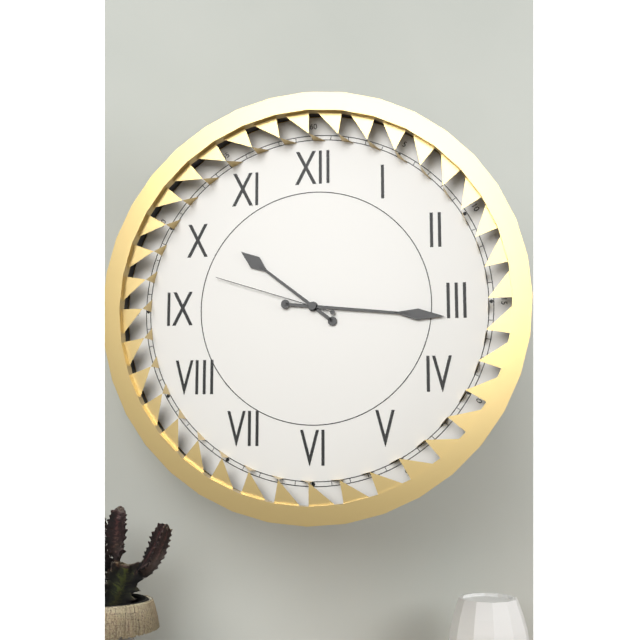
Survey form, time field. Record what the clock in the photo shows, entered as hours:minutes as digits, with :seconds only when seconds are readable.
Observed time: 10:16:48
